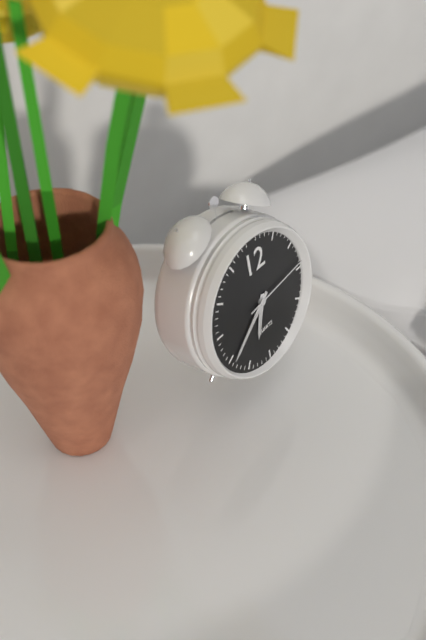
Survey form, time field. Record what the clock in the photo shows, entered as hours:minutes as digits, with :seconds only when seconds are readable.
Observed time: 6:39:14
